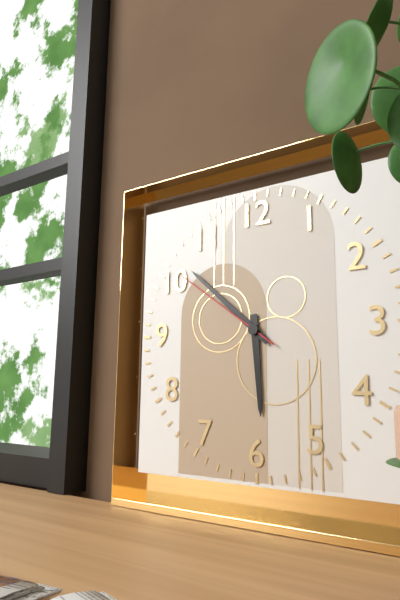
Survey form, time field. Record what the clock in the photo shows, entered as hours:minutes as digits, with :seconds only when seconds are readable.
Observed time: 5:52:51
